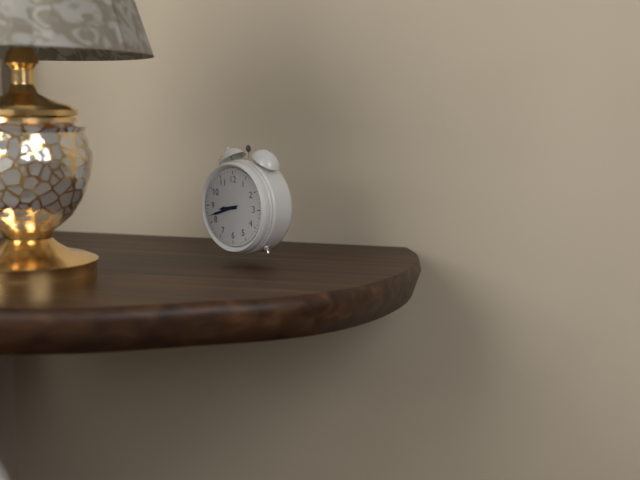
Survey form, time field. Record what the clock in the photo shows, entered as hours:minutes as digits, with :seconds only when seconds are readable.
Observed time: 8:42
